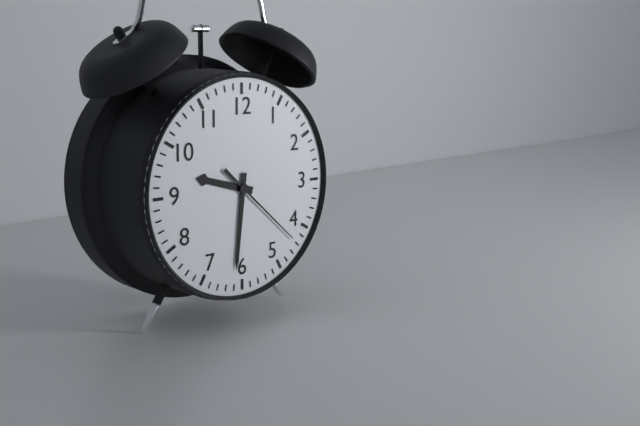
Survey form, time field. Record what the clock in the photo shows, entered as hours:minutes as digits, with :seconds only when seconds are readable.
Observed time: 9:31:22
